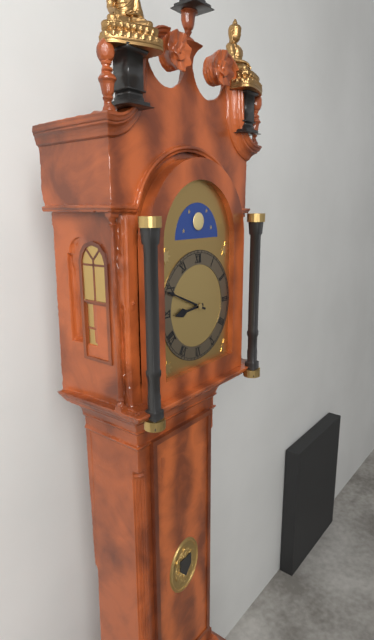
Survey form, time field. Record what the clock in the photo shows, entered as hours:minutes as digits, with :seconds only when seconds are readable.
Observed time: 8:49
